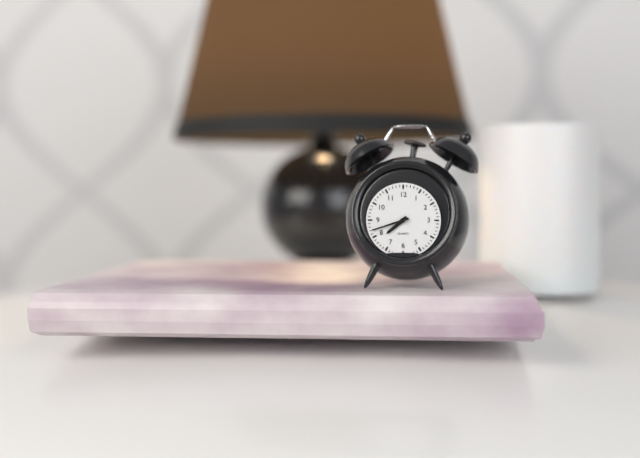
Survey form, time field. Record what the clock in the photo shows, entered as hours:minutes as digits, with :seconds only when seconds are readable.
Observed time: 7:42
